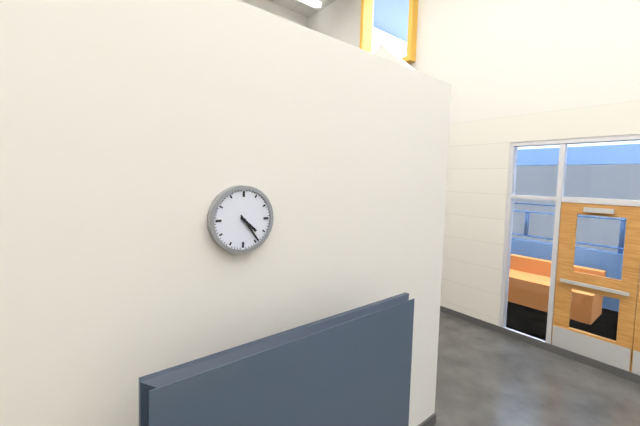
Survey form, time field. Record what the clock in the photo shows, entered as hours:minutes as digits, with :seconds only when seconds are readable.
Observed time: 4:24
